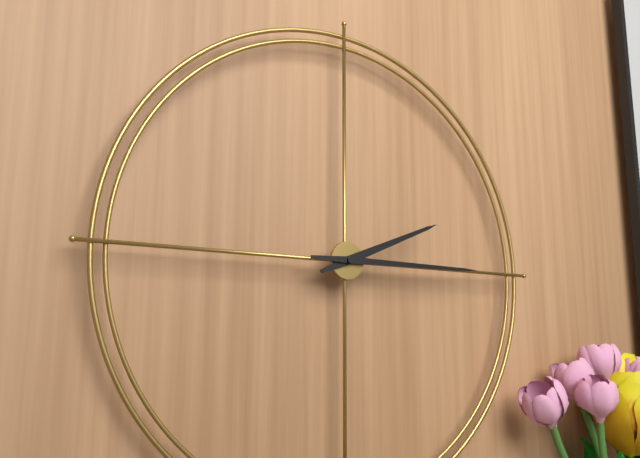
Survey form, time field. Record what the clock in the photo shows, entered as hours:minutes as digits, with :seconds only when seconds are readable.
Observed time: 2:15
